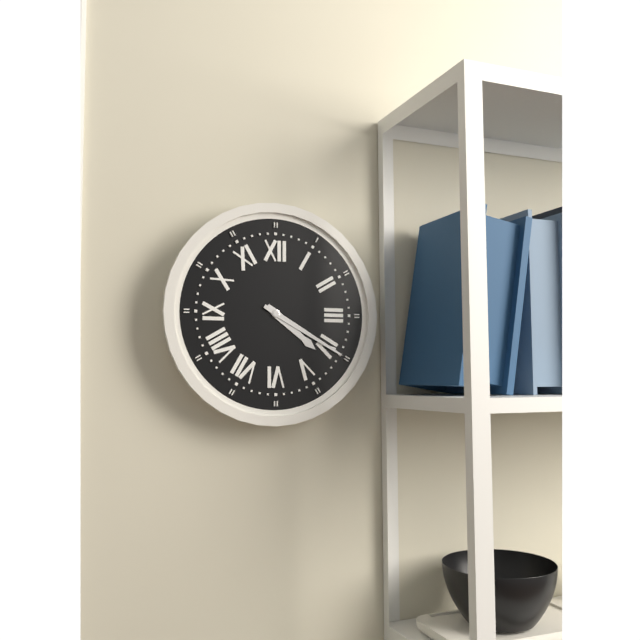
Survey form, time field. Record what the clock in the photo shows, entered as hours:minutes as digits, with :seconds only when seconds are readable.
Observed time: 4:20
